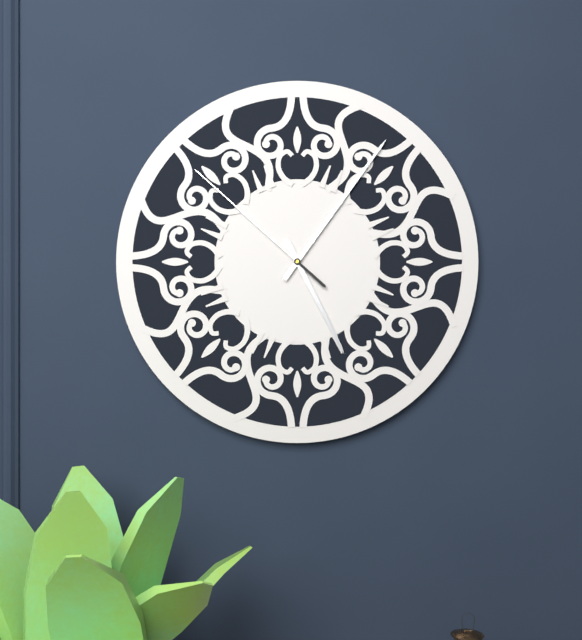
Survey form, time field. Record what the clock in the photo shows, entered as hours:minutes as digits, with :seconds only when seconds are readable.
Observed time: 5:06:52
